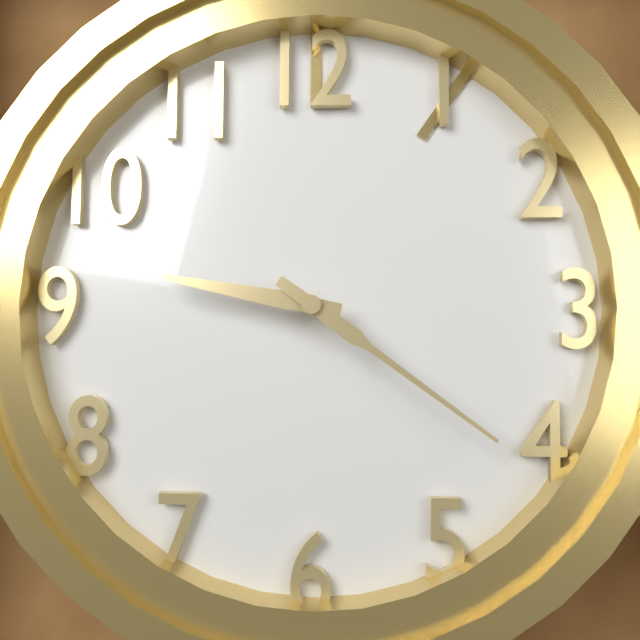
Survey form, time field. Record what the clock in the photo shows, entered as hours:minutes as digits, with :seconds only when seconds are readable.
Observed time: 9:21
